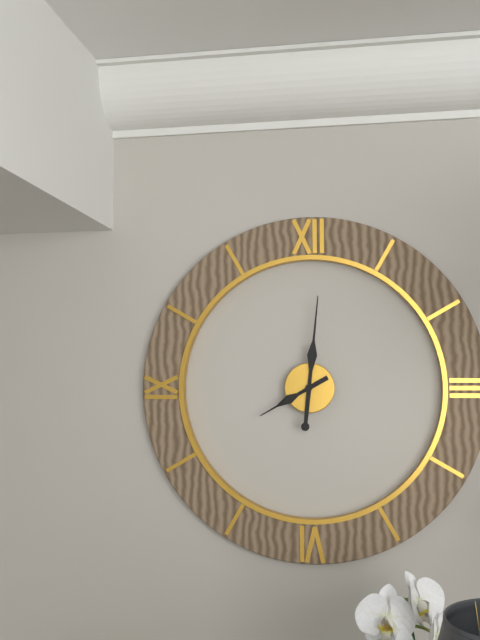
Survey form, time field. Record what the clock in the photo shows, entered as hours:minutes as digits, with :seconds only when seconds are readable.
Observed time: 8:01
